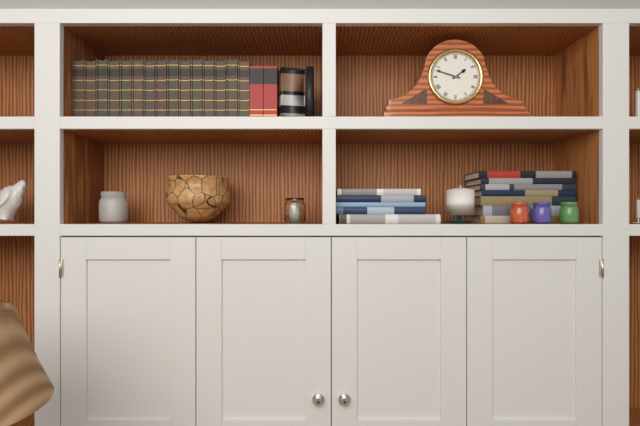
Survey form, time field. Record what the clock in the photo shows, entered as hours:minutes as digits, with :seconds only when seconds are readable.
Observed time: 1:48
